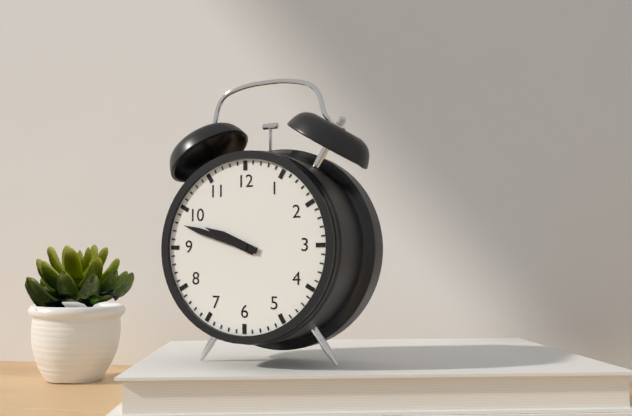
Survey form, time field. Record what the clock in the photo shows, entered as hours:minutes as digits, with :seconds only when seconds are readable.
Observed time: 9:48
